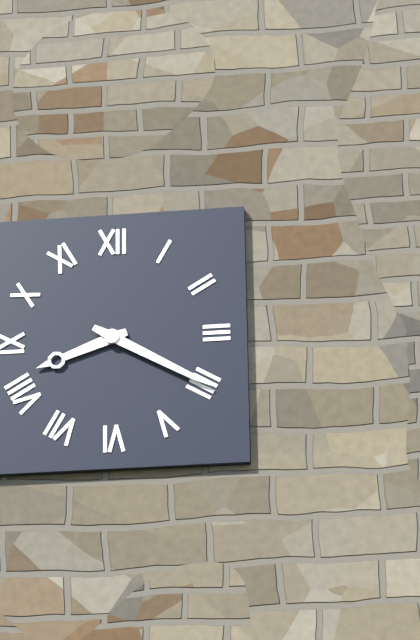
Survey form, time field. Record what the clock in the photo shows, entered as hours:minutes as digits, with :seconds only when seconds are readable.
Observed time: 8:20
